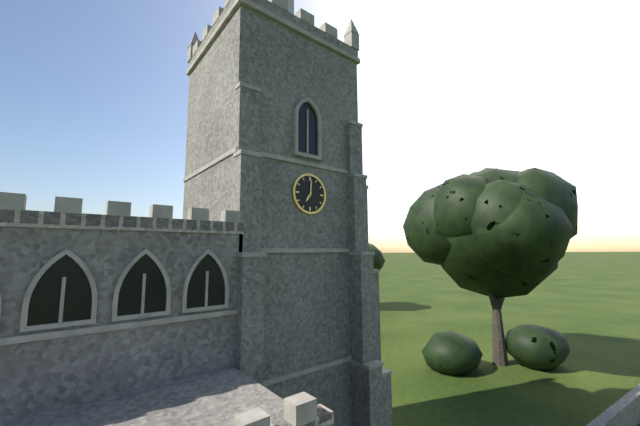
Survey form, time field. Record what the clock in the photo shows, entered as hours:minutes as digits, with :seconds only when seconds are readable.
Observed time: 7:01
